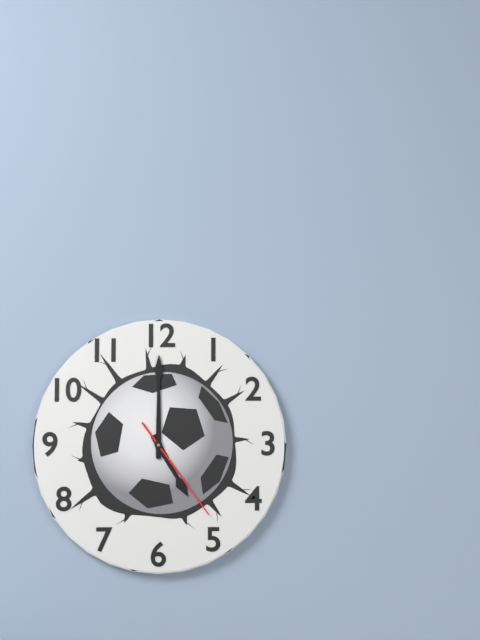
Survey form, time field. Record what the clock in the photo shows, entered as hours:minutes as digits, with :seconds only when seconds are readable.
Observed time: 5:00:24
